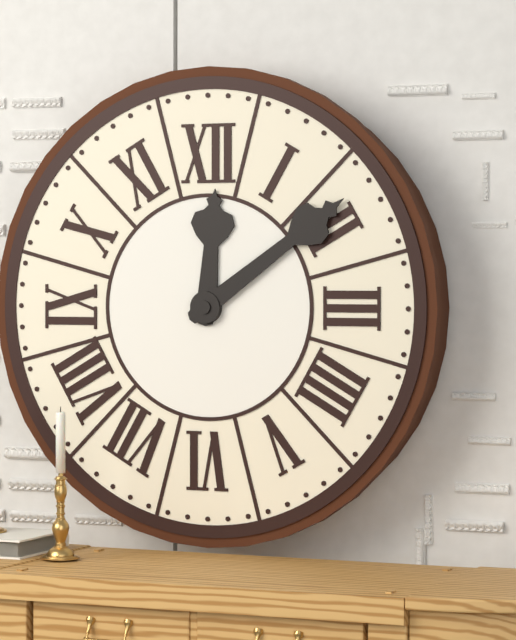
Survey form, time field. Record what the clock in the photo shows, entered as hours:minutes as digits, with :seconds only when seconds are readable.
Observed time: 12:09
